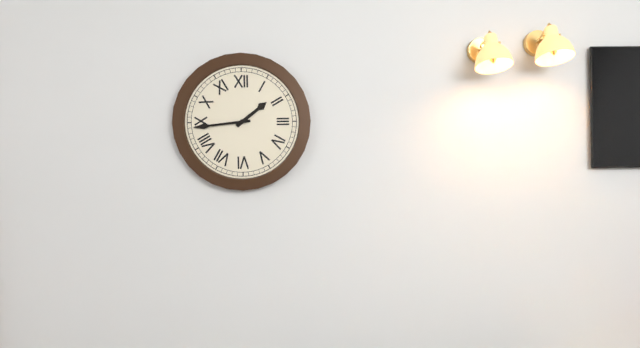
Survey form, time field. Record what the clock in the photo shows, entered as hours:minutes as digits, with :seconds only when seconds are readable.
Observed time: 1:44
